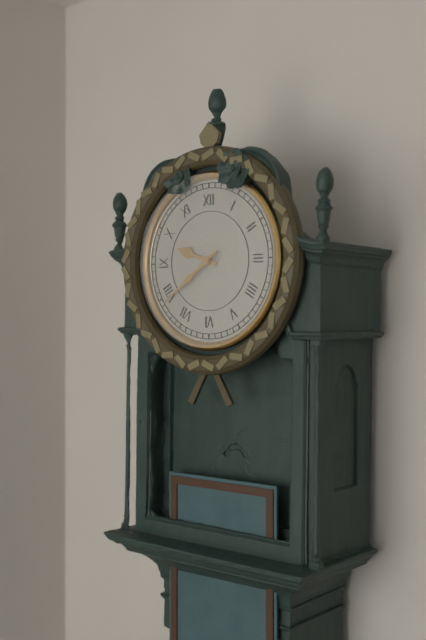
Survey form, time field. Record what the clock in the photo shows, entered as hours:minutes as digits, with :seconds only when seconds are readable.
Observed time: 9:39
